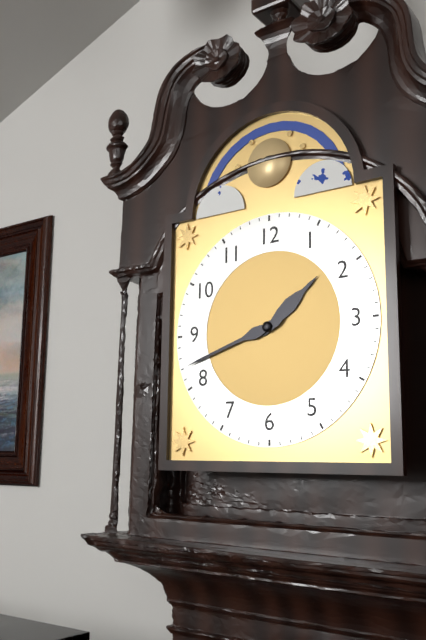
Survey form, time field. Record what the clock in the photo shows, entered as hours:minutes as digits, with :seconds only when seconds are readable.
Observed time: 1:42
